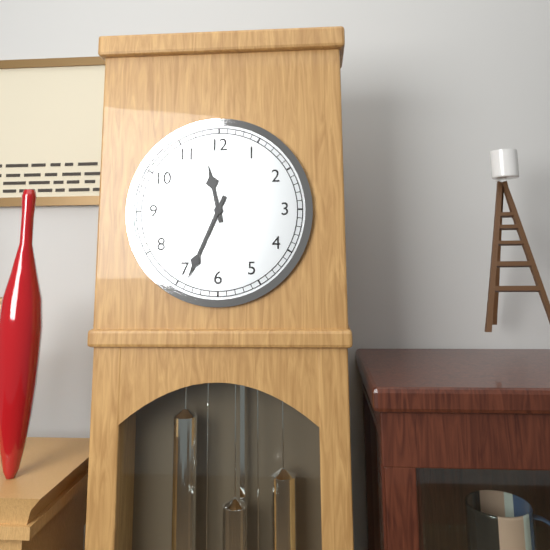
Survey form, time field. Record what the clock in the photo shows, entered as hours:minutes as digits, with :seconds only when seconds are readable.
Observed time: 11:34
